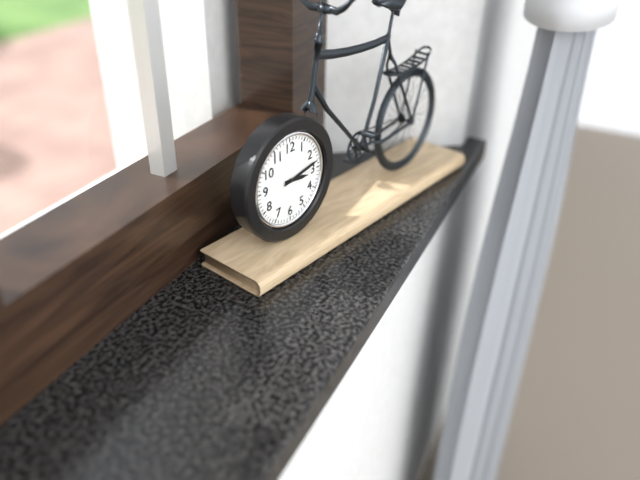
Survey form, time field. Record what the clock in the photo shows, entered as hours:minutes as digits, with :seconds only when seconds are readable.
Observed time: 3:13
